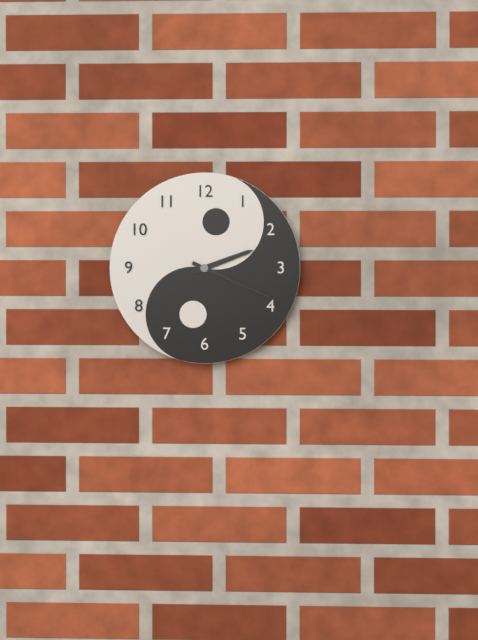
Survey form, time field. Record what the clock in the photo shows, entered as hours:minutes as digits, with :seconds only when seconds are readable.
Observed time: 2:19
